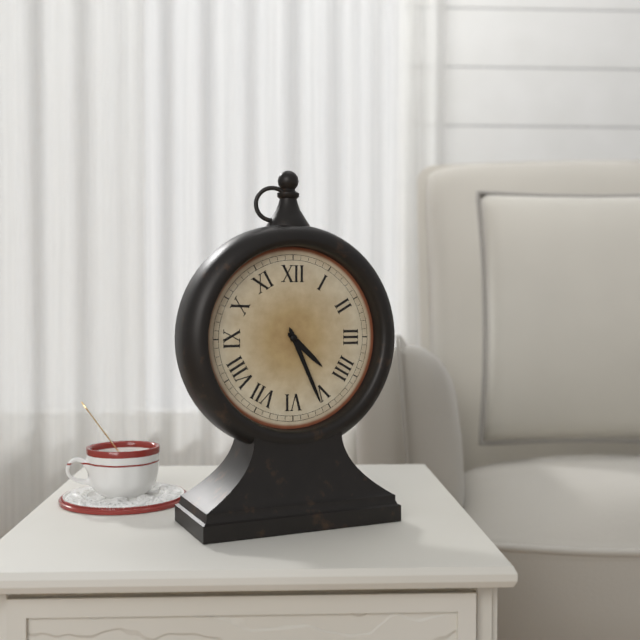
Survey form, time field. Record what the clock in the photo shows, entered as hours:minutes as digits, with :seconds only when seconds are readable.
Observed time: 4:26
